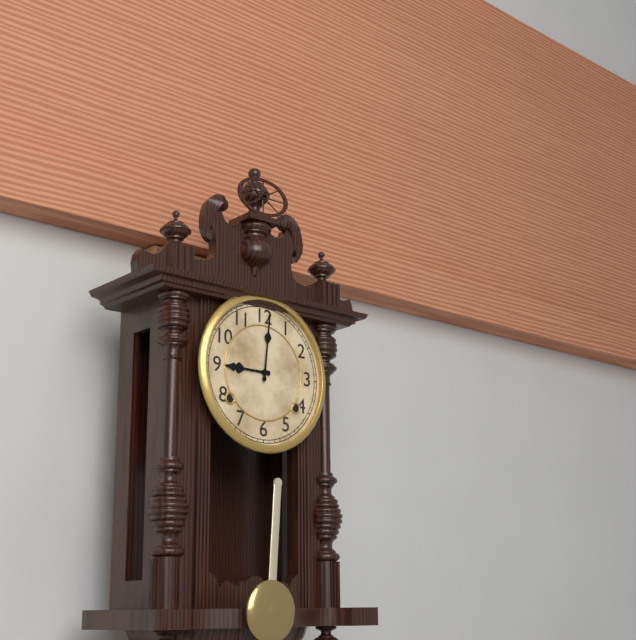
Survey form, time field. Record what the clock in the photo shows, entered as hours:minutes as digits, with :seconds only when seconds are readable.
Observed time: 9:01
